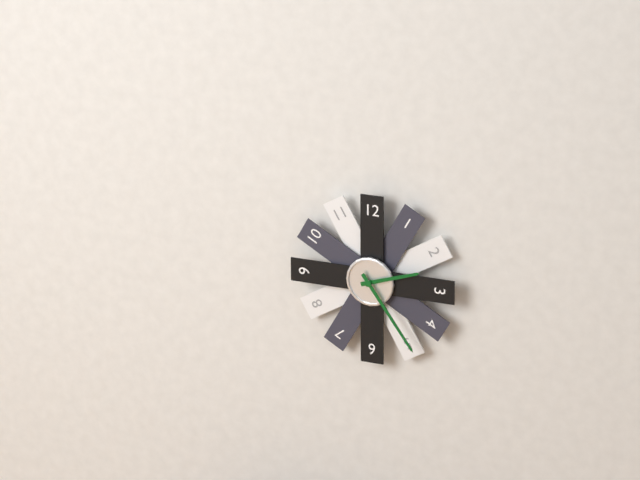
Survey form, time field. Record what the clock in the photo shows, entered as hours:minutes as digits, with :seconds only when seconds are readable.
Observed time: 2:24
